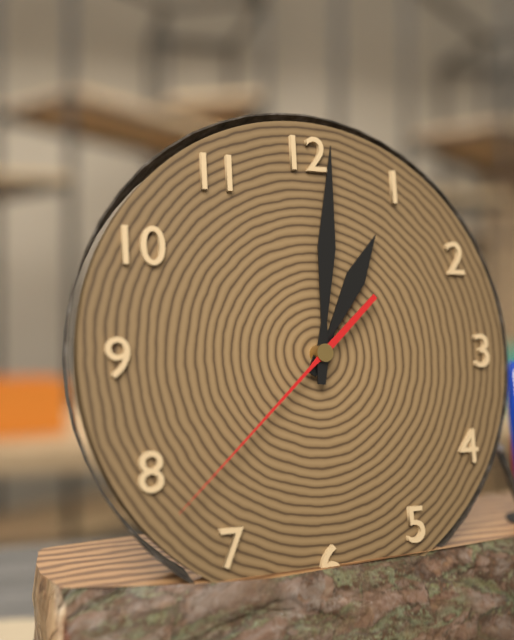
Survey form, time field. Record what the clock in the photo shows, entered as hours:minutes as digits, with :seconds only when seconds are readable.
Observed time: 1:01:38
